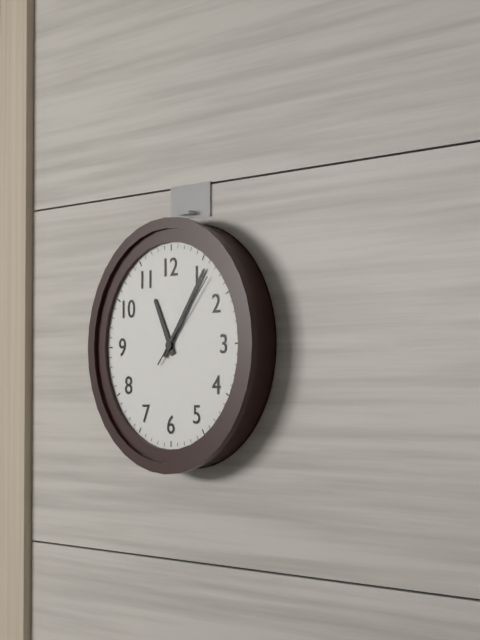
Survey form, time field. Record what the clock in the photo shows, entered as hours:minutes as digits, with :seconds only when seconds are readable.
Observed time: 11:06:07
